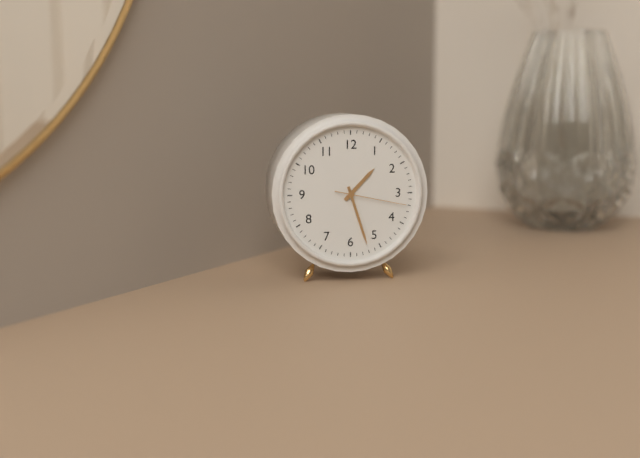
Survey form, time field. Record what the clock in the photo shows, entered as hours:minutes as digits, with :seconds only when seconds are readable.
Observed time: 1:27:17
